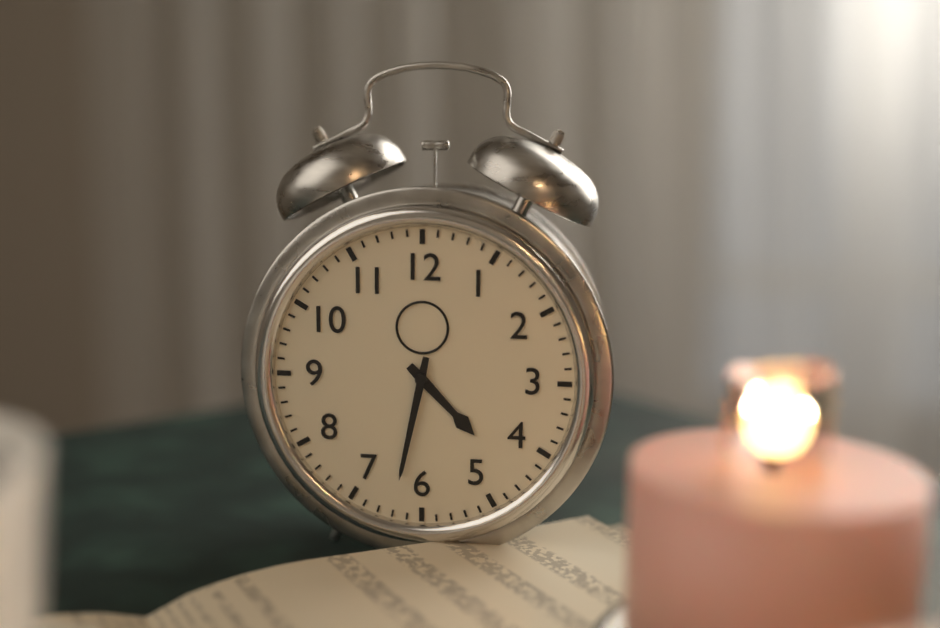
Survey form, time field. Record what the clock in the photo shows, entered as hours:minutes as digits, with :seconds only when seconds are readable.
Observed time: 4:32
